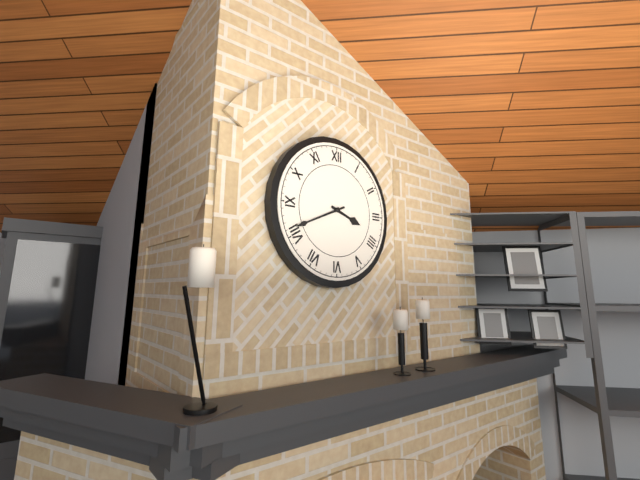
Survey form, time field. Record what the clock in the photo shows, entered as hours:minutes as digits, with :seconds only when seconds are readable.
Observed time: 3:41
